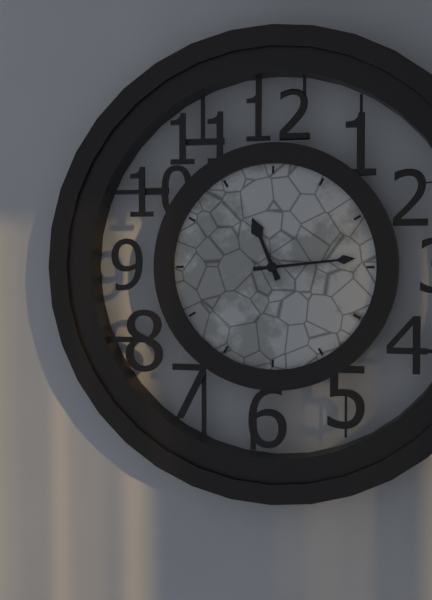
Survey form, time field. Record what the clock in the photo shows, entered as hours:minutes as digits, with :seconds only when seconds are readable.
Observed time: 11:14
